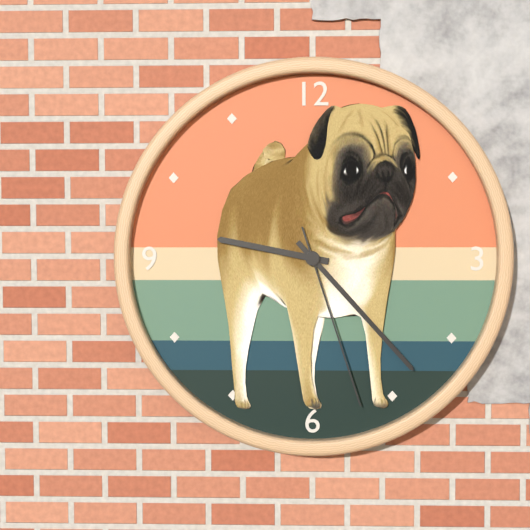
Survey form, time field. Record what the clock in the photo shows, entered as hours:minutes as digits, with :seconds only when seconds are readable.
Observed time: 9:23:27
